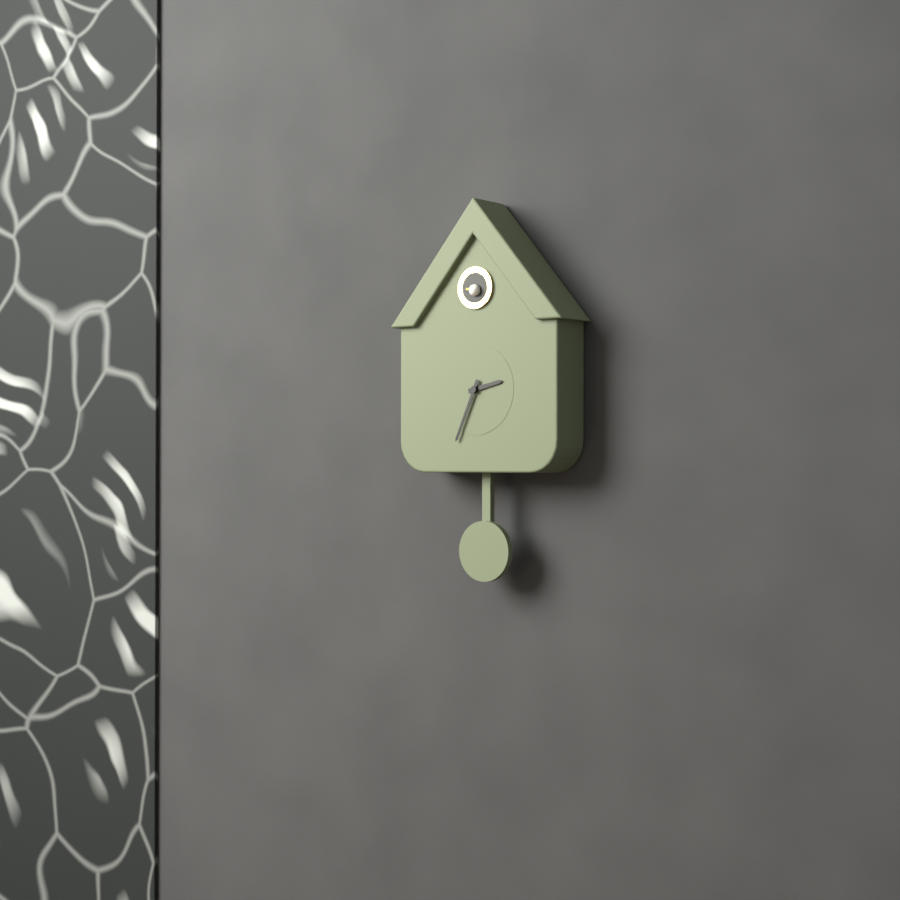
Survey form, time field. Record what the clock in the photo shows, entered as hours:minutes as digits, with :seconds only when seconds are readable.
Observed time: 2:34
